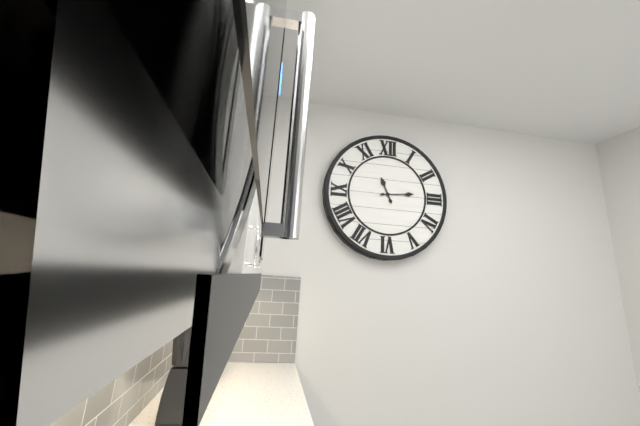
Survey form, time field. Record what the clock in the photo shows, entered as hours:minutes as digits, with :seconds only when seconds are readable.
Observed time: 11:14
